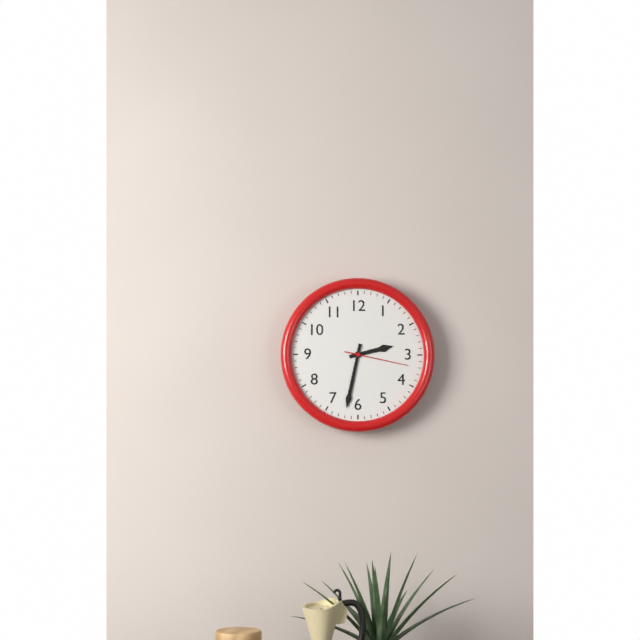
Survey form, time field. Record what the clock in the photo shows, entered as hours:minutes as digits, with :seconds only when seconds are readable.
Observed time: 2:32:17
